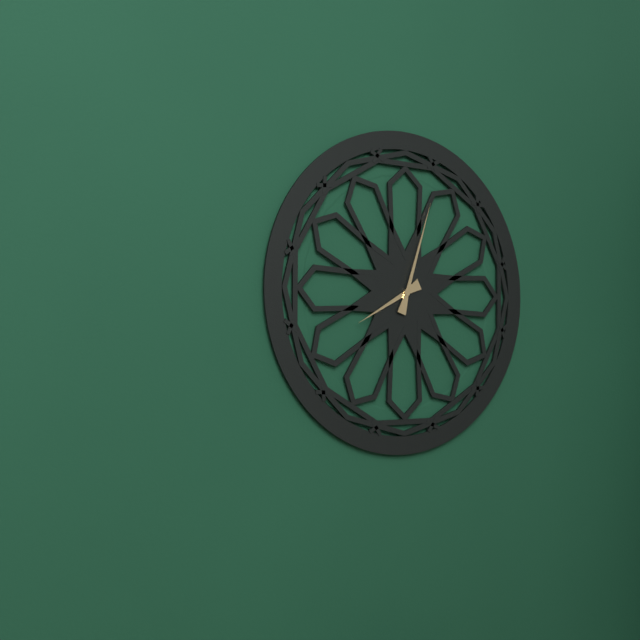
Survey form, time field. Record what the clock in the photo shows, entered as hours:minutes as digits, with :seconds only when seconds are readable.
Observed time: 8:03
